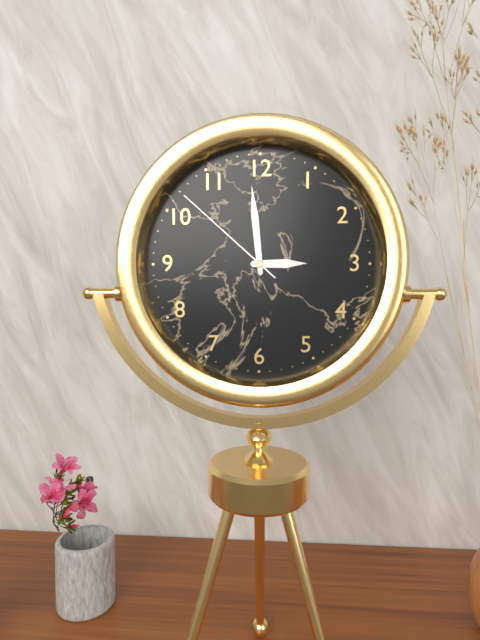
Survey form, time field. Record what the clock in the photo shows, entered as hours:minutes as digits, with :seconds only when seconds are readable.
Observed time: 2:59:52
